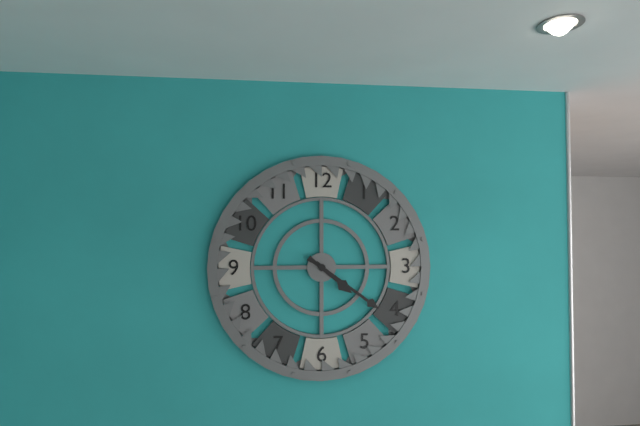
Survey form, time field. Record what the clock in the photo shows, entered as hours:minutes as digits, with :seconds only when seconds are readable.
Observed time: 4:21
